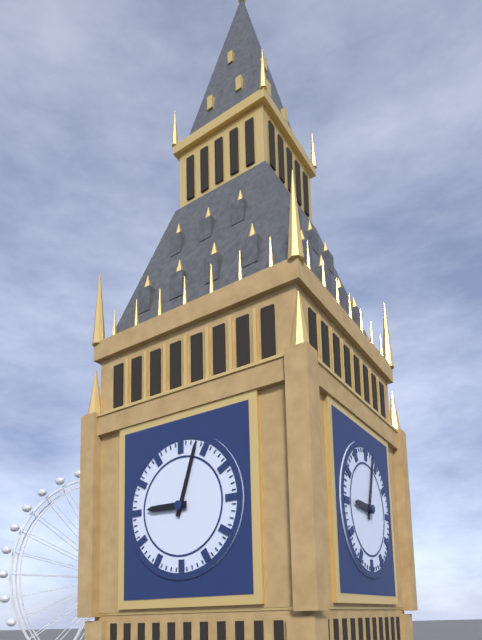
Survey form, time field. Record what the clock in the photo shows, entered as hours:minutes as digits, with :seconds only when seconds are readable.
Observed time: 9:03
